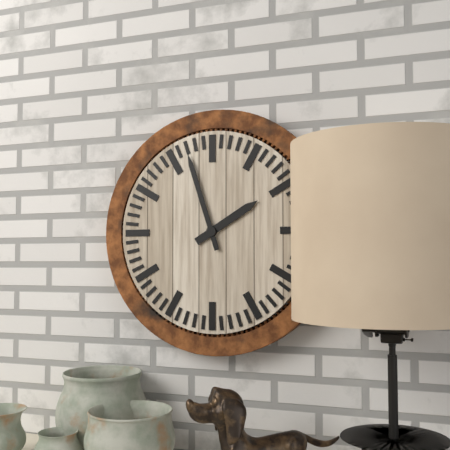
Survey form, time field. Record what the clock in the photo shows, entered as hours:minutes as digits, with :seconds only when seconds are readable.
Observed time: 1:57
